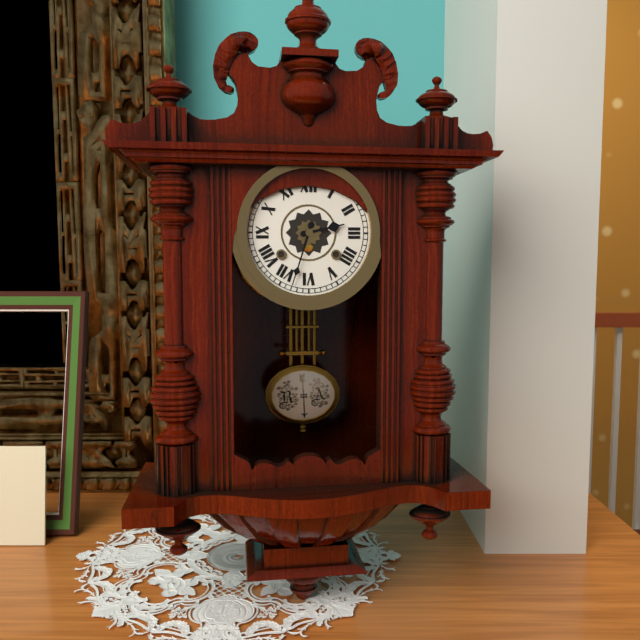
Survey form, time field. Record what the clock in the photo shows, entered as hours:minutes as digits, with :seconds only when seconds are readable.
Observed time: 2:33
